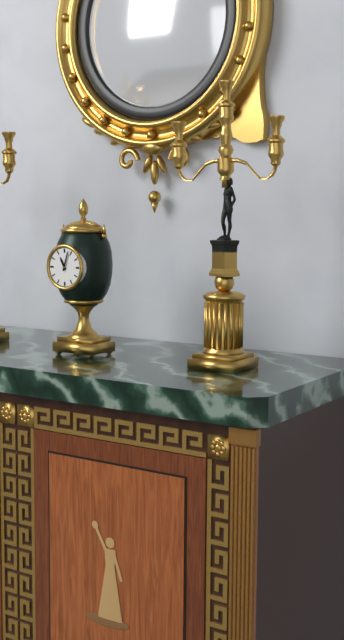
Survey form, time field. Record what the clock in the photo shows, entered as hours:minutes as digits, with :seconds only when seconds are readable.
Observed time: 11:03
